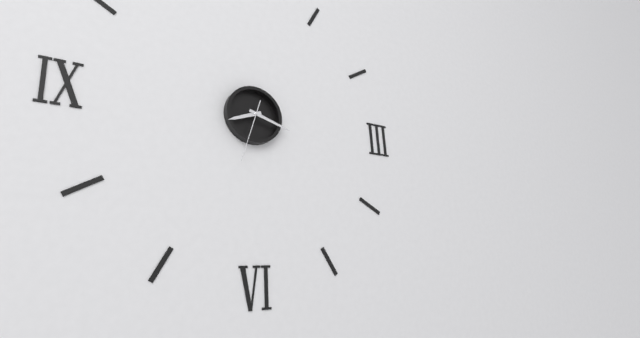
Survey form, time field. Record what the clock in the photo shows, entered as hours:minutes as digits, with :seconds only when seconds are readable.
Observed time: 8:18:33
